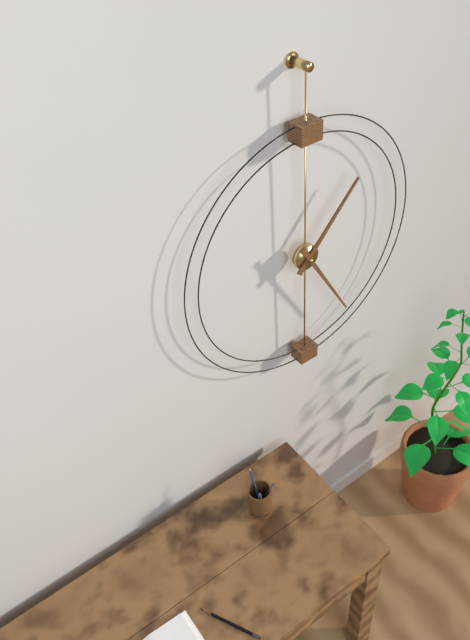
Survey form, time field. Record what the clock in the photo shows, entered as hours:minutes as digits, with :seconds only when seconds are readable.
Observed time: 1:25
